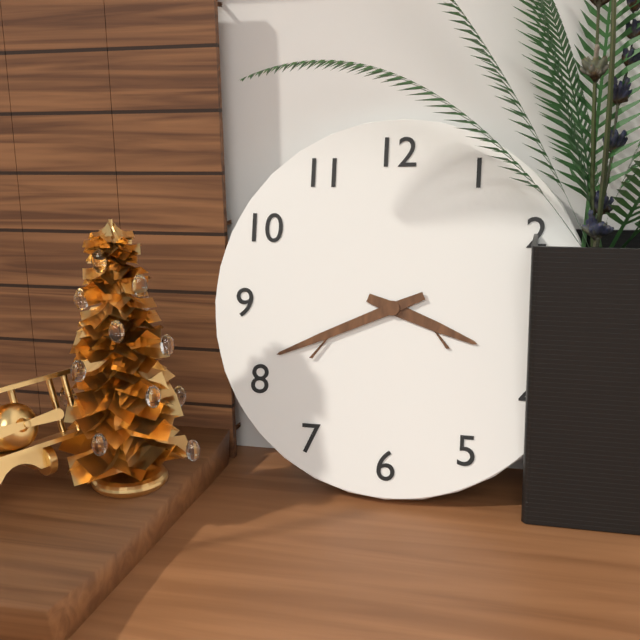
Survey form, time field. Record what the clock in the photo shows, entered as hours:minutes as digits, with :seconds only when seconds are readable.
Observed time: 3:41
